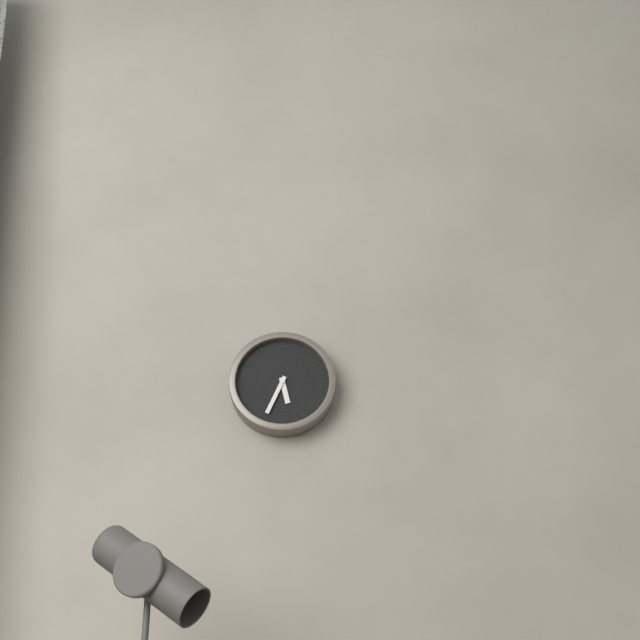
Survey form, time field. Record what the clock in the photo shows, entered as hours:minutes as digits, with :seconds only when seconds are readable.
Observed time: 5:34
